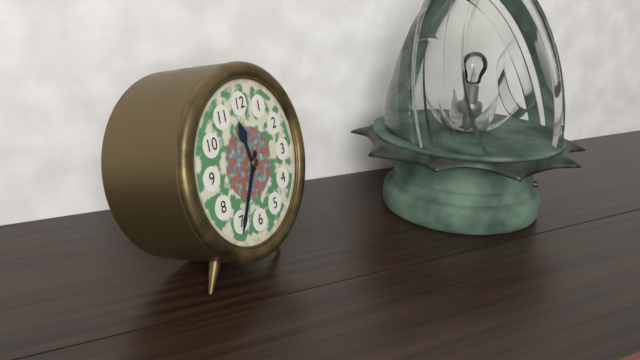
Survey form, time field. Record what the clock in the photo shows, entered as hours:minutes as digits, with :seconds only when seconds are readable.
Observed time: 11:35
